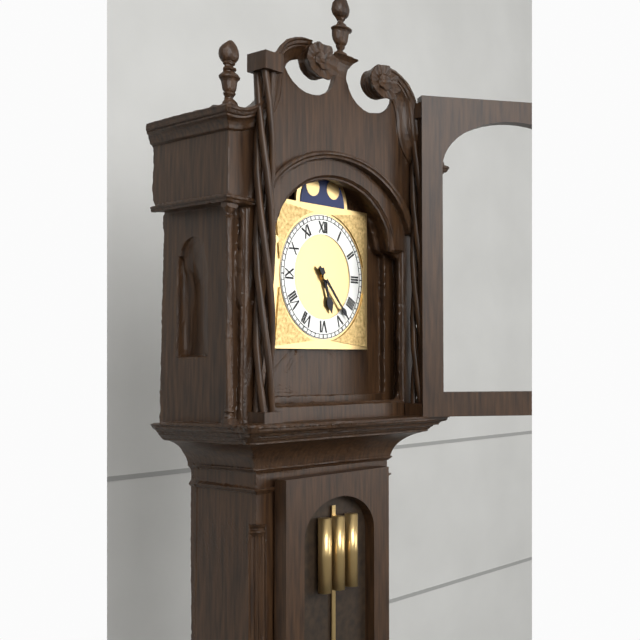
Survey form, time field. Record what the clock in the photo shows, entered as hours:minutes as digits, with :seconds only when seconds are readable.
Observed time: 5:23
